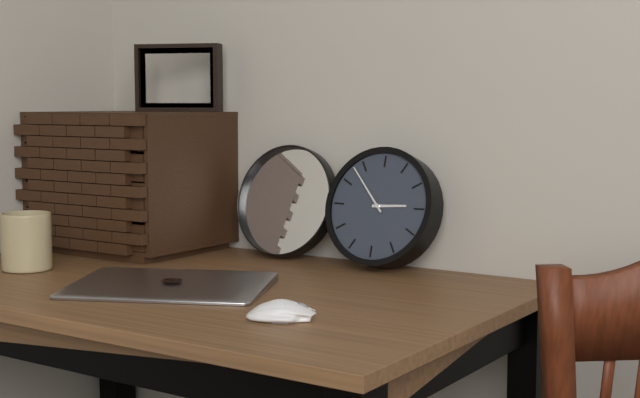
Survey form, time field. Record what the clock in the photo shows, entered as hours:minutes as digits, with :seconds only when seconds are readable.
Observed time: 2:53
